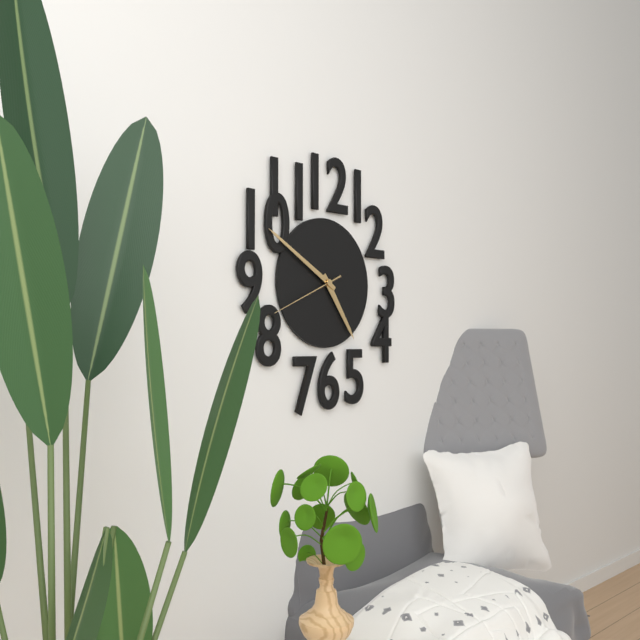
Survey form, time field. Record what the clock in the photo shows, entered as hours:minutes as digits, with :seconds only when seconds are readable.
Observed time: 4:50:41
